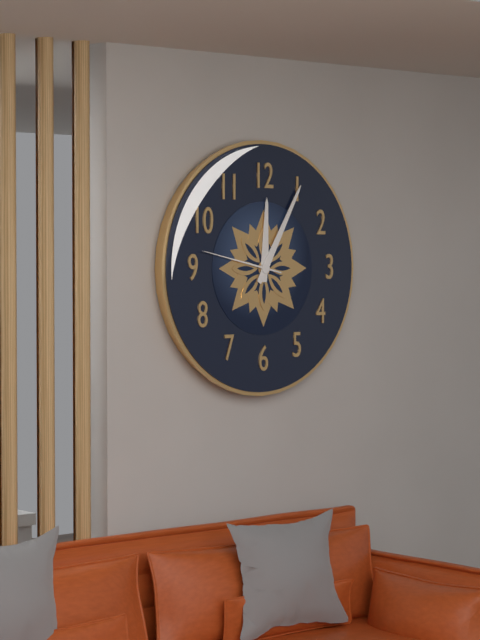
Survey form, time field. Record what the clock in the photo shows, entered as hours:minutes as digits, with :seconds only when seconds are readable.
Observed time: 12:05:47
